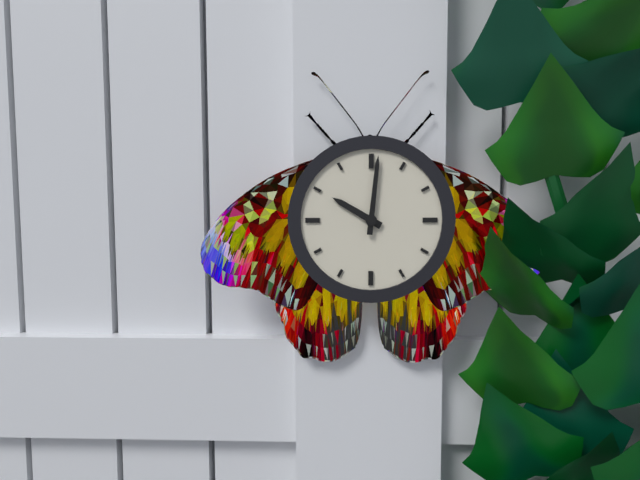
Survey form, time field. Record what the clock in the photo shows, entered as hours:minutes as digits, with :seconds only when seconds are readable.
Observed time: 10:01
